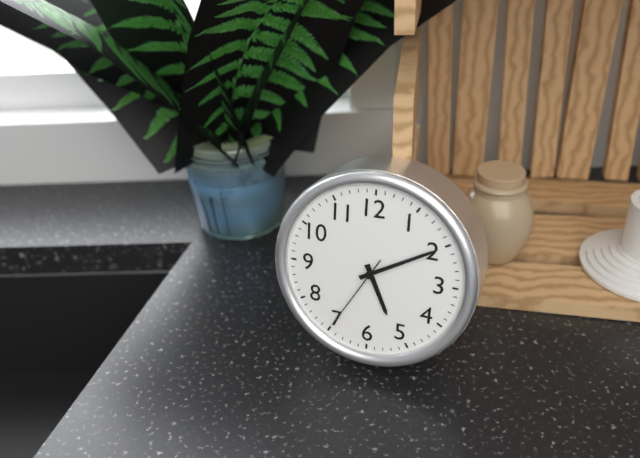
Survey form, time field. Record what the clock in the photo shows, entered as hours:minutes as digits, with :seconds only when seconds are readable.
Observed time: 5:10:35
